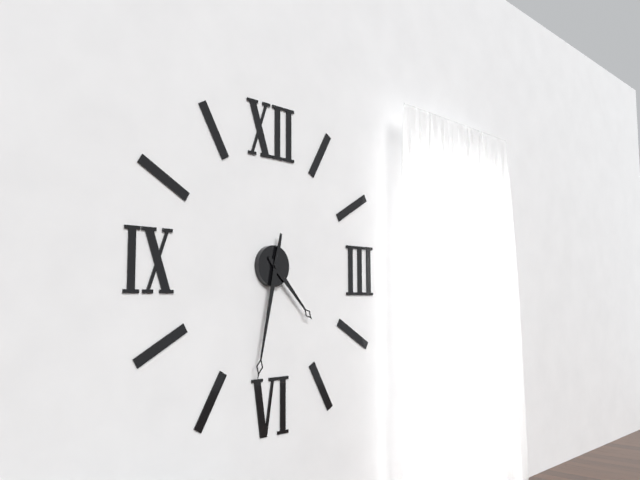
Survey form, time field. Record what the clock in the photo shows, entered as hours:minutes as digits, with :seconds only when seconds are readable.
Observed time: 4:32
